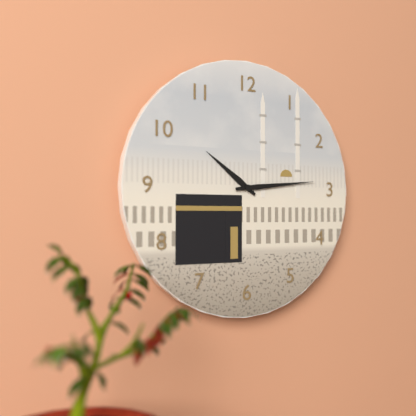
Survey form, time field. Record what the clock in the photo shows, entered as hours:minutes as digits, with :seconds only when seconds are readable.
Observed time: 10:14
